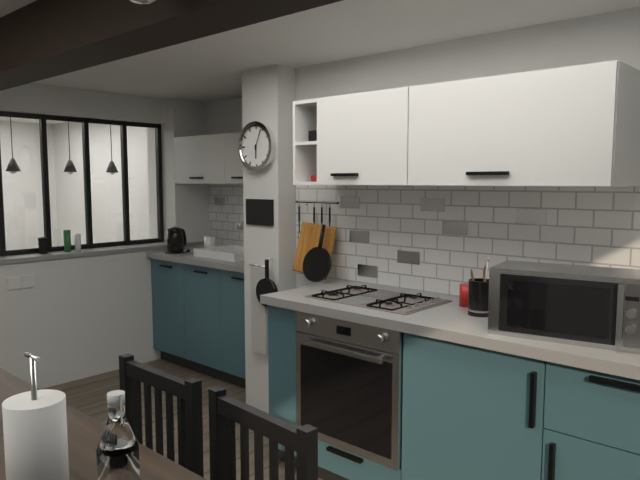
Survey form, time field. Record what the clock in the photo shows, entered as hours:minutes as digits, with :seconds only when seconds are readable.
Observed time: 6:04
